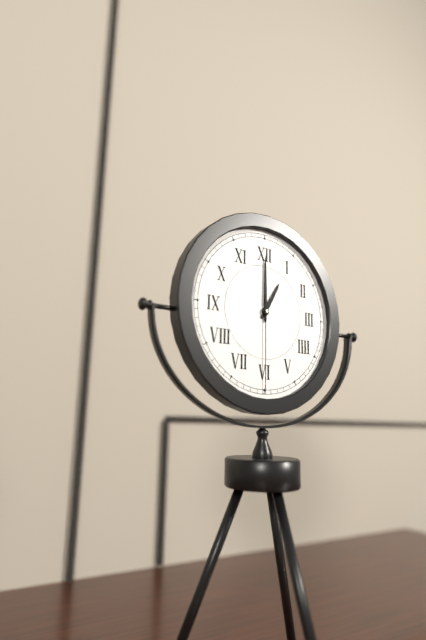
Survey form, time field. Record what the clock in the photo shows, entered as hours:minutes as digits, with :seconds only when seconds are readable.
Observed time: 1:00:30
